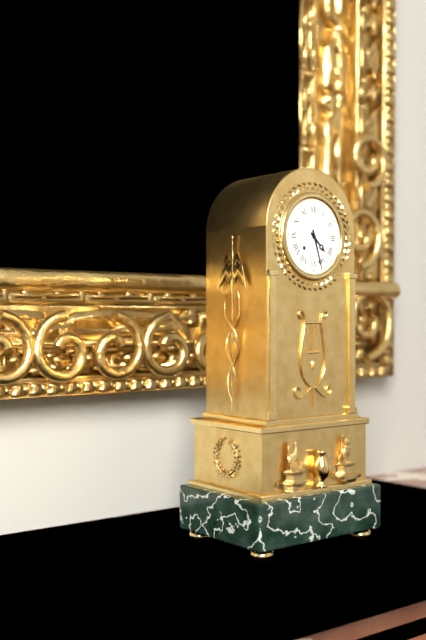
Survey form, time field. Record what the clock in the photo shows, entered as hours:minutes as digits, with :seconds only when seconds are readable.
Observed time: 4:27
